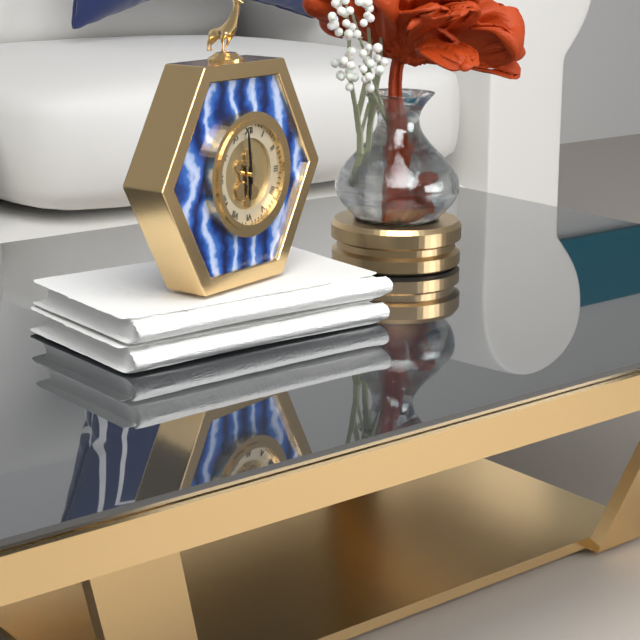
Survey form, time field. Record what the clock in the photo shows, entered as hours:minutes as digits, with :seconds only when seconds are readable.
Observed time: 5:59
